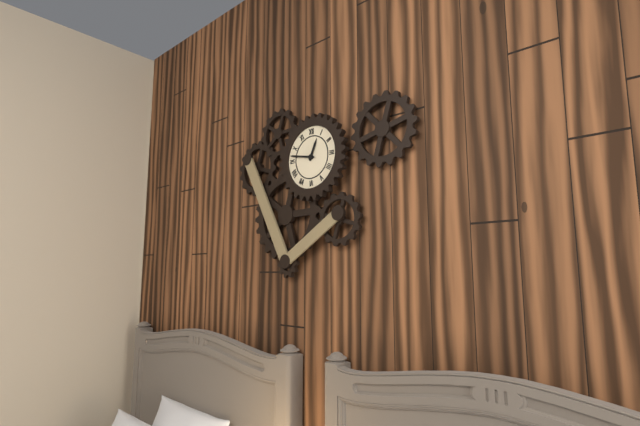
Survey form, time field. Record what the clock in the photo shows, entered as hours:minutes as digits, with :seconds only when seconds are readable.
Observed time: 12:47
